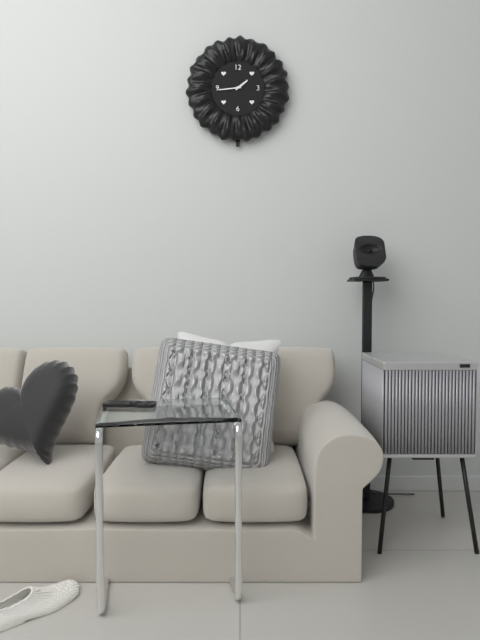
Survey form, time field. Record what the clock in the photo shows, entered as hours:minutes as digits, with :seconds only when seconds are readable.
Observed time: 1:44
